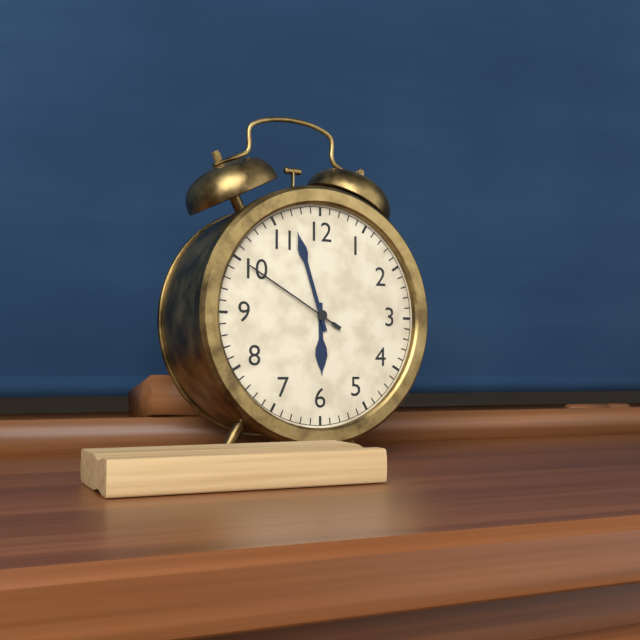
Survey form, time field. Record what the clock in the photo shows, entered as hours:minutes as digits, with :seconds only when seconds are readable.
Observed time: 5:57:50
